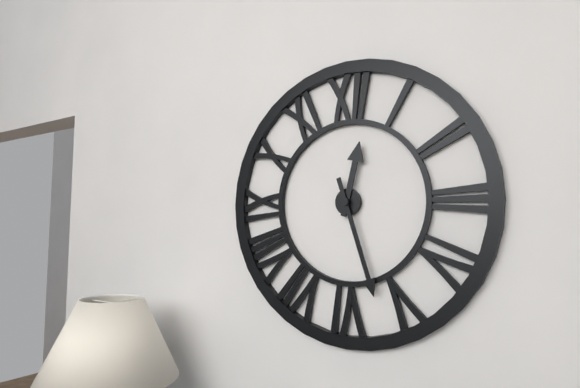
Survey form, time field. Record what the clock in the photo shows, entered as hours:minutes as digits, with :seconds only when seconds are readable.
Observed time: 12:27
